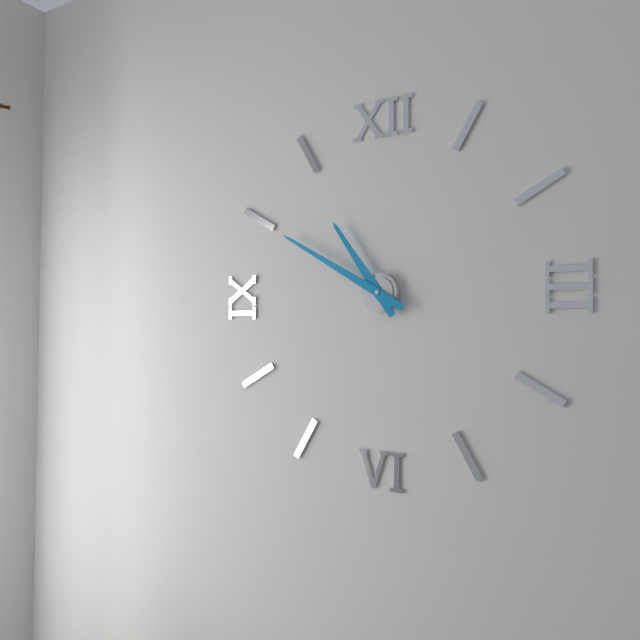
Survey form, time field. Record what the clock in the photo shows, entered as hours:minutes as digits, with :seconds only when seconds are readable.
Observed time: 10:50
